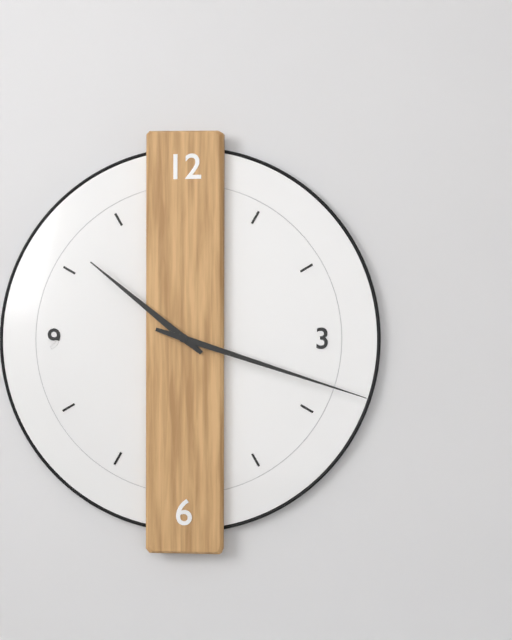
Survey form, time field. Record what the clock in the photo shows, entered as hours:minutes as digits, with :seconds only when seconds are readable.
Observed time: 10:18
